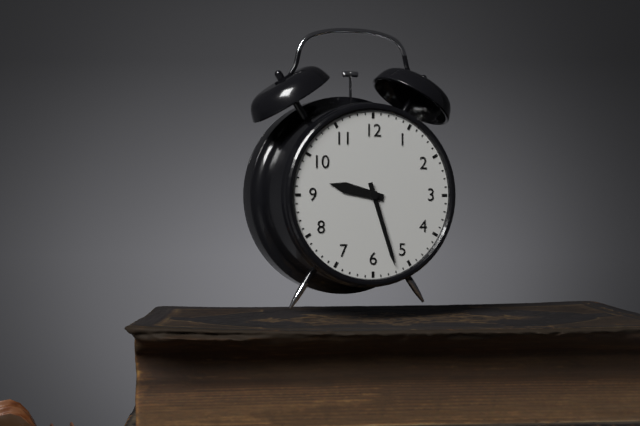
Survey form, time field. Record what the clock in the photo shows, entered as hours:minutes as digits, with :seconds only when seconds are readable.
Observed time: 9:27
